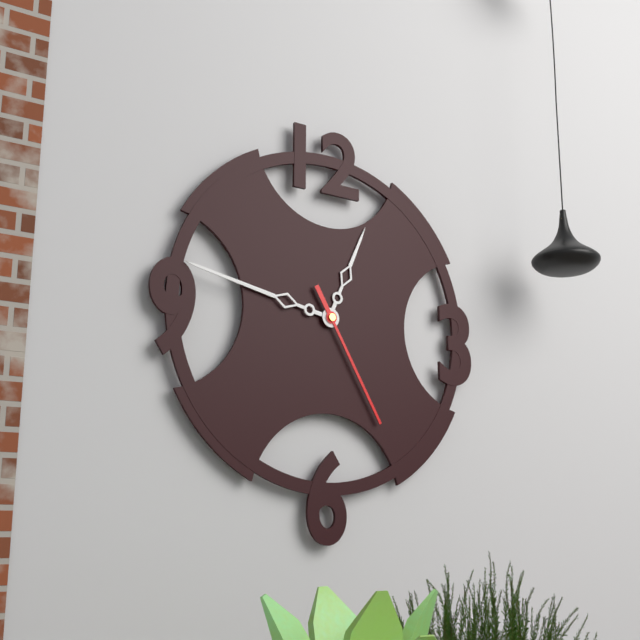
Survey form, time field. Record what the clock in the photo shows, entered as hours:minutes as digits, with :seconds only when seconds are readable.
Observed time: 12:47:25
